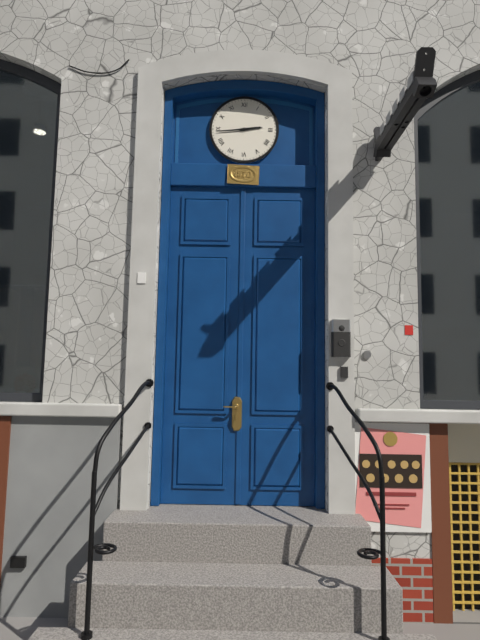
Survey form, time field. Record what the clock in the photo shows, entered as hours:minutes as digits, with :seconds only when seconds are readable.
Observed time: 2:44
